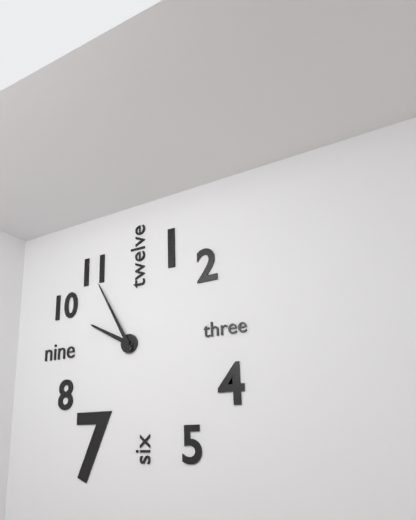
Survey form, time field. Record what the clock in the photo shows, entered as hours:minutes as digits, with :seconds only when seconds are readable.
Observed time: 9:55
